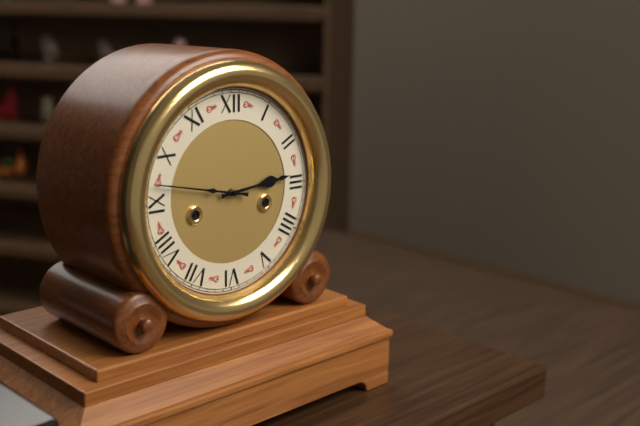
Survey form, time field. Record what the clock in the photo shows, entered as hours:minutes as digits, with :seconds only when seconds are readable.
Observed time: 2:47
